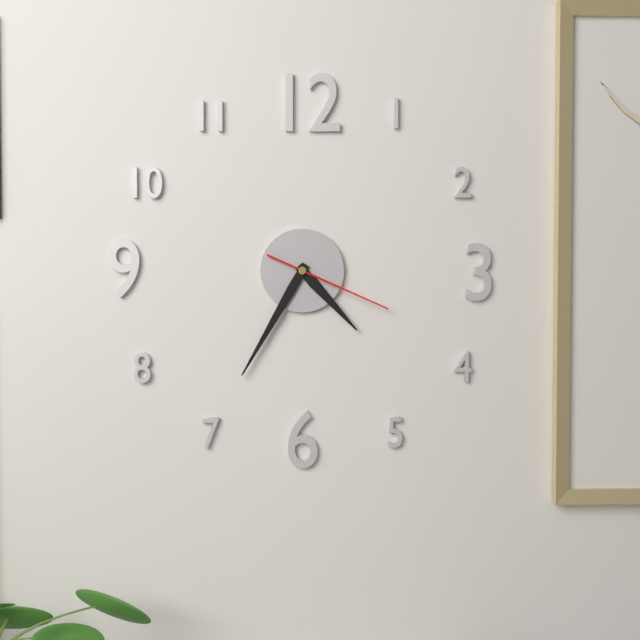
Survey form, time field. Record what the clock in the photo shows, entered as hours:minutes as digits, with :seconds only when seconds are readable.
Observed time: 4:35:19
